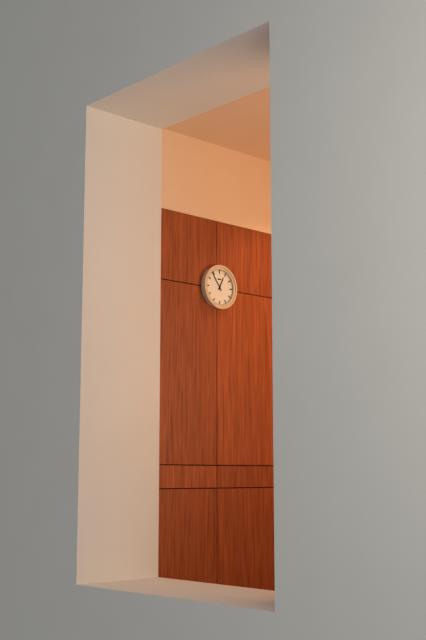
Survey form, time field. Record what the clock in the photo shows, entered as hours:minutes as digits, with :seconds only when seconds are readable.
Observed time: 12:54
